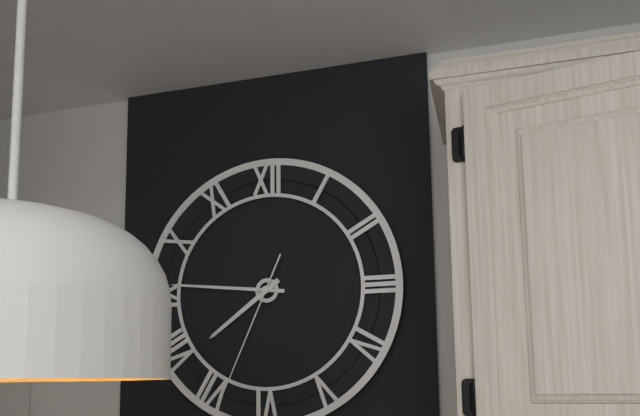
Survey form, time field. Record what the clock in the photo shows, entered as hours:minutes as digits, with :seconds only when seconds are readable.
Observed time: 7:46:34
